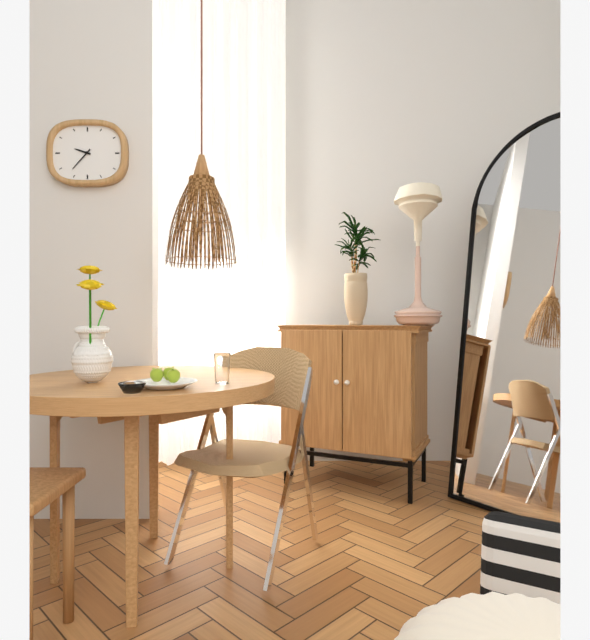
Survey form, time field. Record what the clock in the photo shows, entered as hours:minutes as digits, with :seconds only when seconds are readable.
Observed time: 9:37
